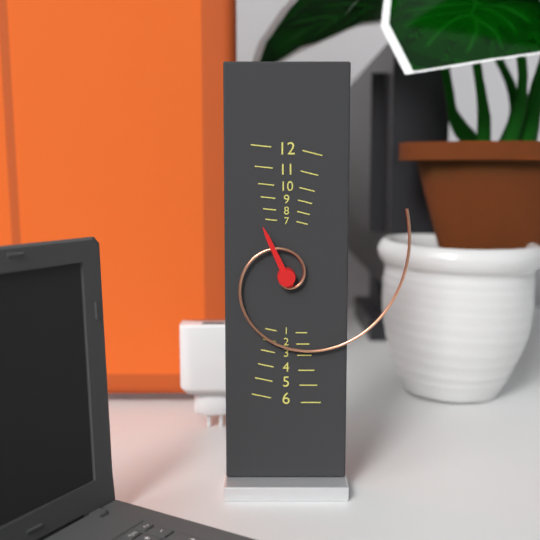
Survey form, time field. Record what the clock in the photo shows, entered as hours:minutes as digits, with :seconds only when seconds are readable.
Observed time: 11:10
